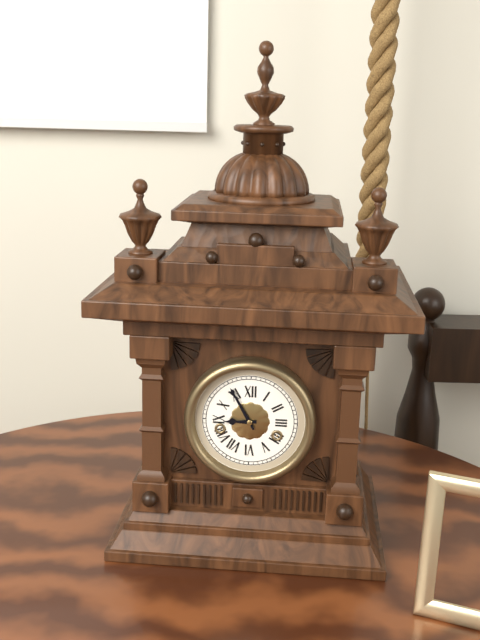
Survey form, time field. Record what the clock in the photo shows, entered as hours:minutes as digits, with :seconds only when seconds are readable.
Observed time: 8:55
